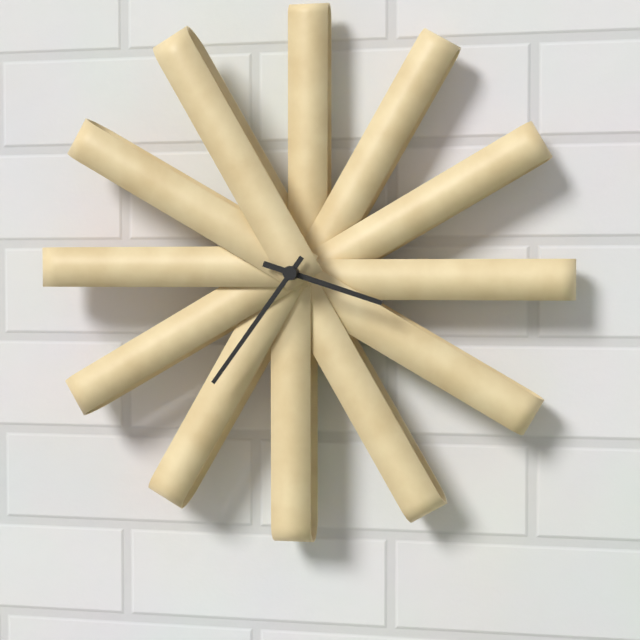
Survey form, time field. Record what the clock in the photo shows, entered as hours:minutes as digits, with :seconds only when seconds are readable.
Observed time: 3:36
